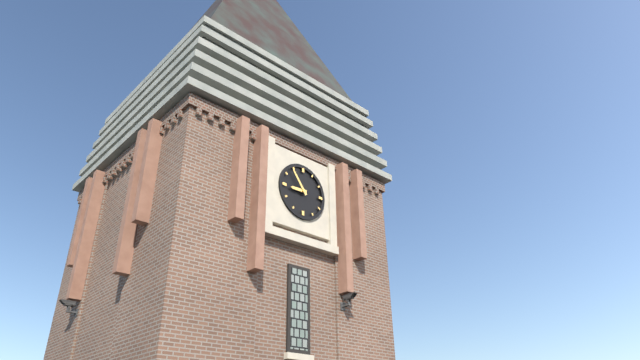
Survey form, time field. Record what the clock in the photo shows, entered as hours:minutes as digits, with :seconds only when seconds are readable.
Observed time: 8:54
